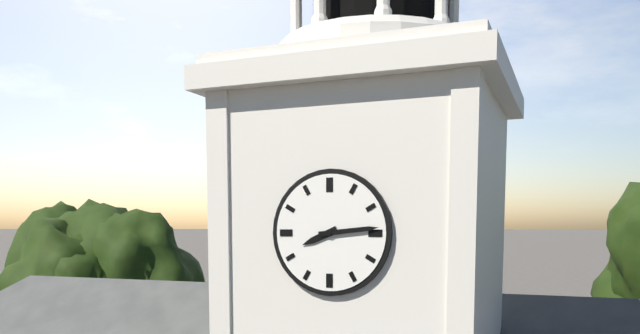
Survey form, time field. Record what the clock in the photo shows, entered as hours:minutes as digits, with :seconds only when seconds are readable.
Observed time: 8:14
